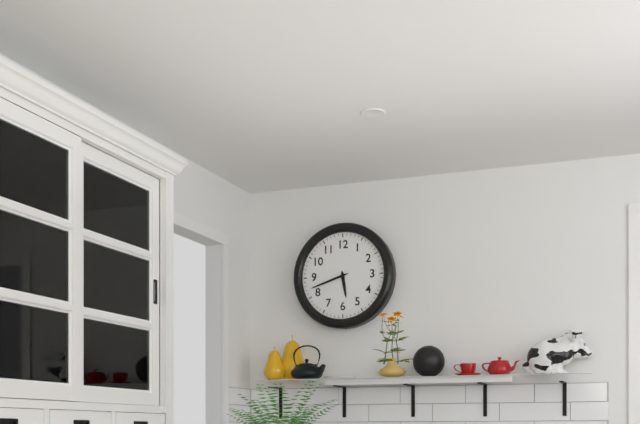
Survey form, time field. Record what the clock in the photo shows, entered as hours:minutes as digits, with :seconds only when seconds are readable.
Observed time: 5:42
